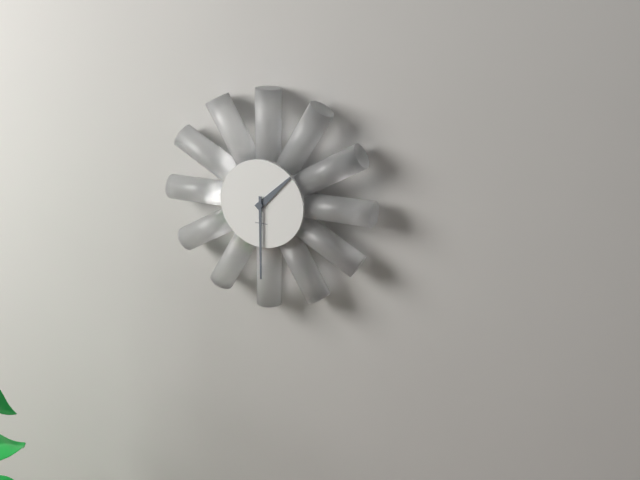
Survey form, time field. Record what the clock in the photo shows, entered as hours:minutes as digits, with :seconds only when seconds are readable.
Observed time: 1:30
